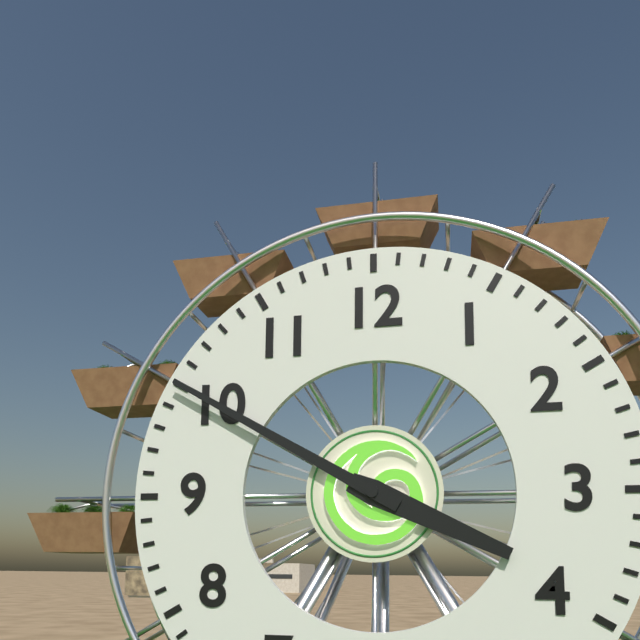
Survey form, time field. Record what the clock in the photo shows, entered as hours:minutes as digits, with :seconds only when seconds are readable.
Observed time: 3:50
